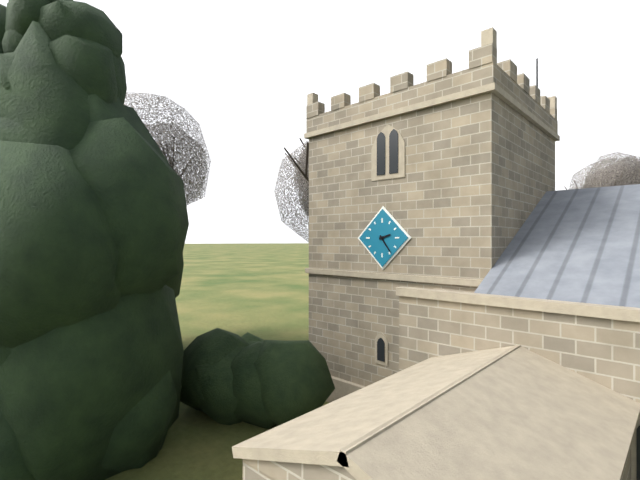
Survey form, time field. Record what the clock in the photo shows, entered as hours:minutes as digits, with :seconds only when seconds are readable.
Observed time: 2:24
